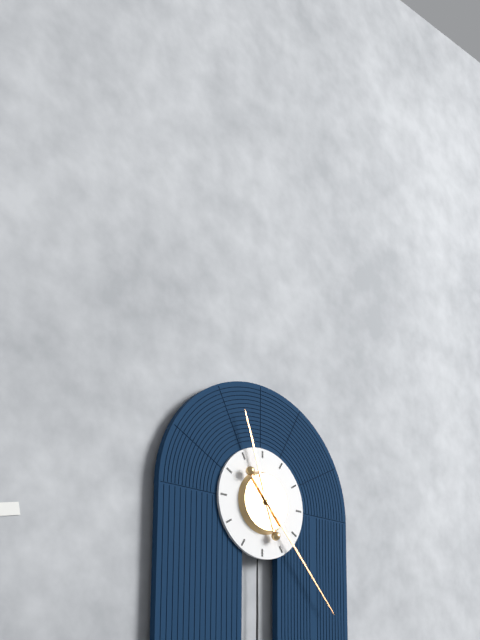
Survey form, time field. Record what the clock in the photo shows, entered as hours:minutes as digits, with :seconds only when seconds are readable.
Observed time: 11:23
